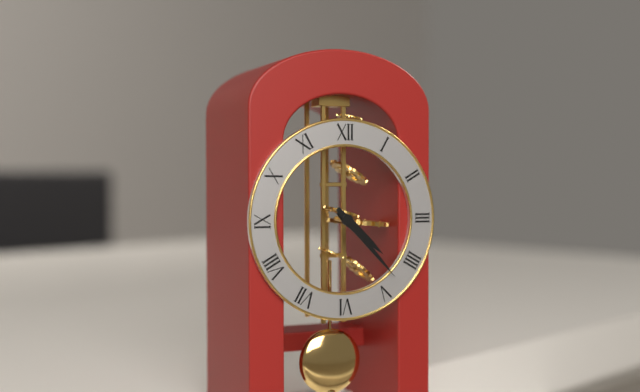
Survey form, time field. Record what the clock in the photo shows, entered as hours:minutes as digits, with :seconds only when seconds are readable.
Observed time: 4:23
